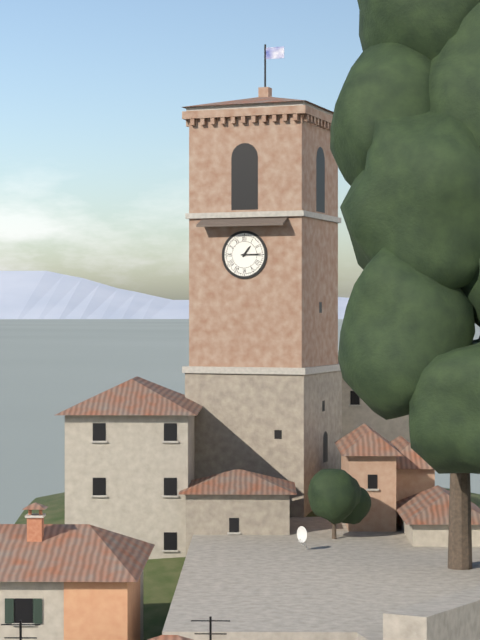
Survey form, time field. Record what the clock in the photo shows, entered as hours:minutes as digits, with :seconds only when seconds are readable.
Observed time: 1:15
